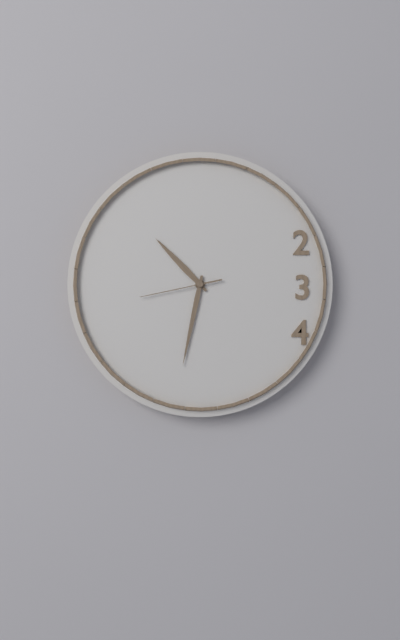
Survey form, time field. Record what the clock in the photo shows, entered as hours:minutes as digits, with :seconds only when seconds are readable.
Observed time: 10:32:43
